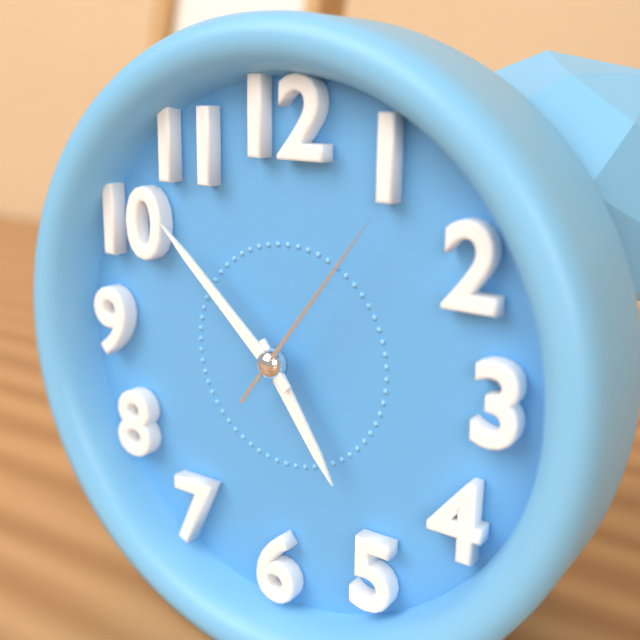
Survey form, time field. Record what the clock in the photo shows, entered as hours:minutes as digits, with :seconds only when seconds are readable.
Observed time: 4:52:06
